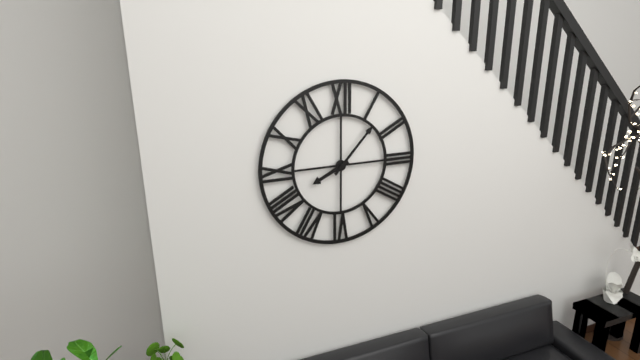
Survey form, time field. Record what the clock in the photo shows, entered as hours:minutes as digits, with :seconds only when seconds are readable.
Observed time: 8:07
